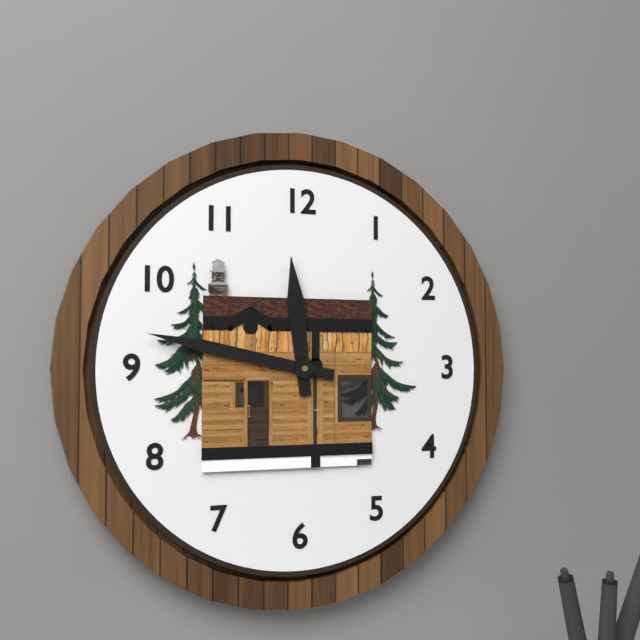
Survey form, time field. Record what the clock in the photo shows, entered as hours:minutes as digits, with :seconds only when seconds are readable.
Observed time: 11:47
